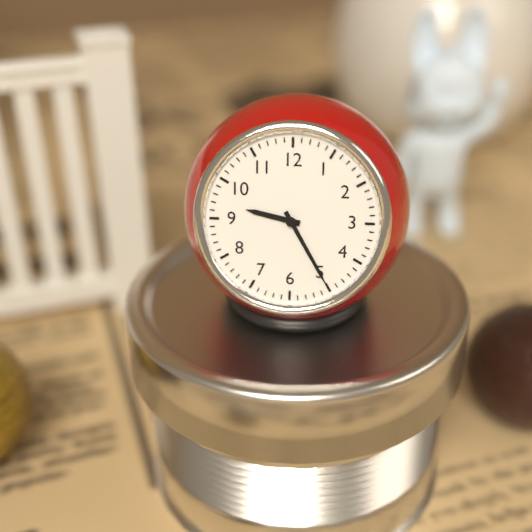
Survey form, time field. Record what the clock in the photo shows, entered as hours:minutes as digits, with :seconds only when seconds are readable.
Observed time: 9:25
